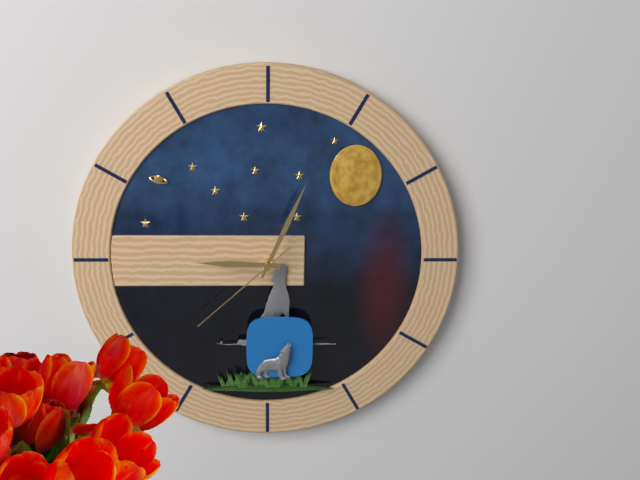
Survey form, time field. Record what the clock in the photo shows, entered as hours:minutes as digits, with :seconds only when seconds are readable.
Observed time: 9:04:38
